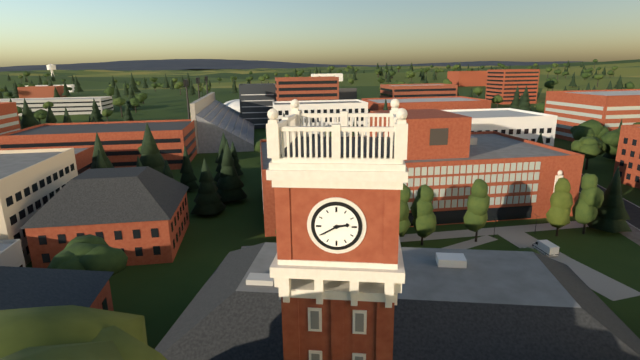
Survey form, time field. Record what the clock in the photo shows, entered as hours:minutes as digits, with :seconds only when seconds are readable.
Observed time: 2:40
